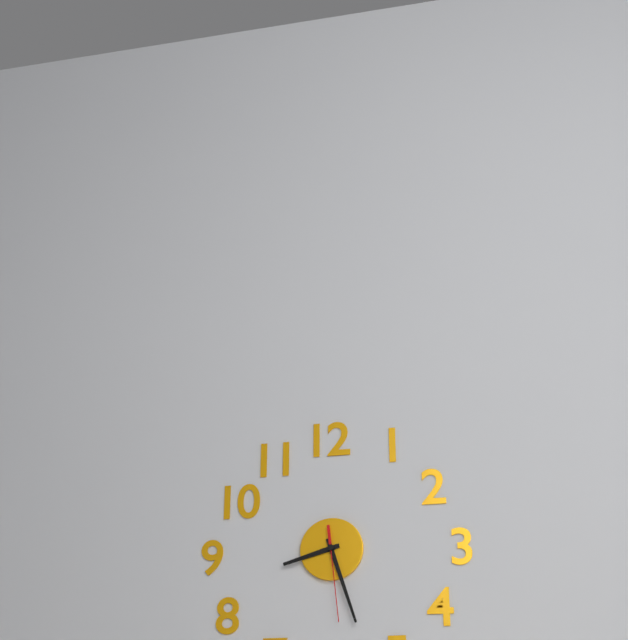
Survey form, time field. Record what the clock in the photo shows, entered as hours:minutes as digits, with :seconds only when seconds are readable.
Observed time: 8:27:29
